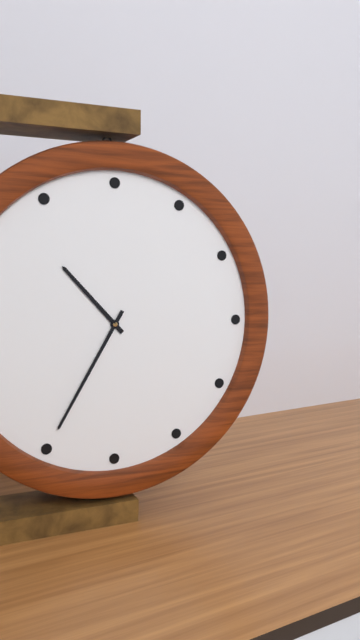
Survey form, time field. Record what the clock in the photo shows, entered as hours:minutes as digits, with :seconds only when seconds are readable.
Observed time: 10:35
